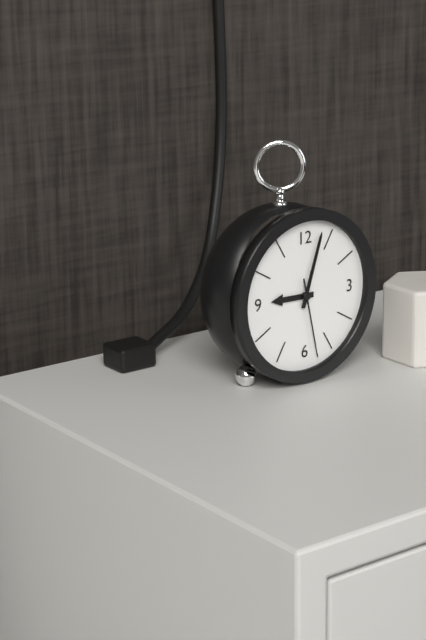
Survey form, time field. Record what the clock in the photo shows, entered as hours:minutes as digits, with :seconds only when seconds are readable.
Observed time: 9:03:28
